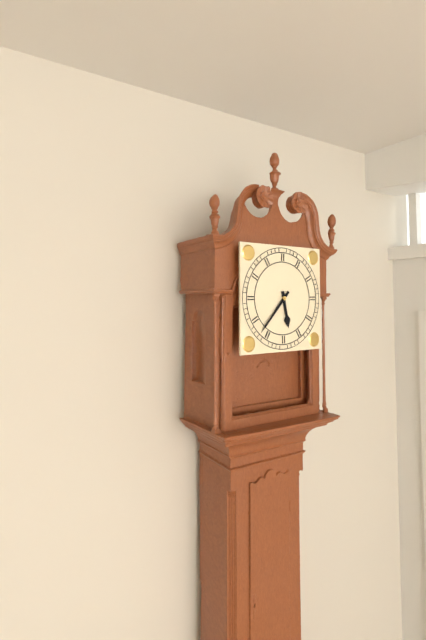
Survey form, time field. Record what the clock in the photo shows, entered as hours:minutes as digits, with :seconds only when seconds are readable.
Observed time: 5:37
